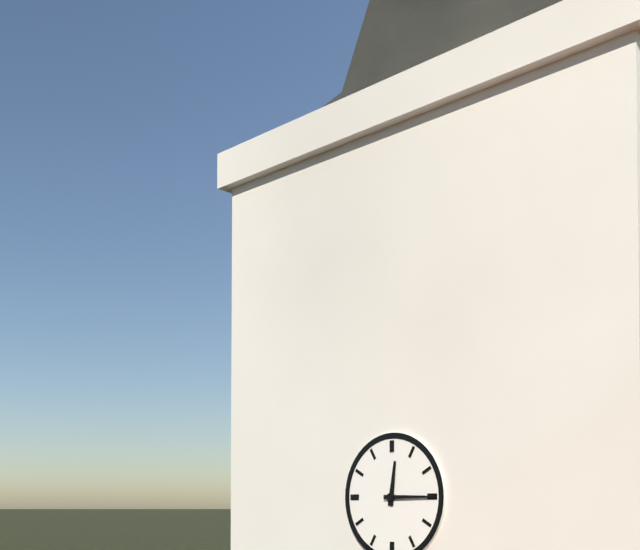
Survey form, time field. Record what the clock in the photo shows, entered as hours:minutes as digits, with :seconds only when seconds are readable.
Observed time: 12:15
